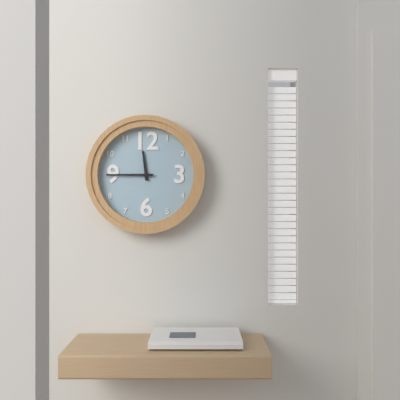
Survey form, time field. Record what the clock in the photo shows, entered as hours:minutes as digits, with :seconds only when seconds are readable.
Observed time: 11:45
